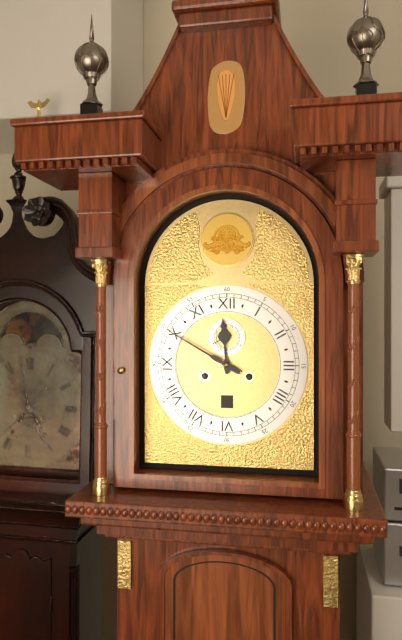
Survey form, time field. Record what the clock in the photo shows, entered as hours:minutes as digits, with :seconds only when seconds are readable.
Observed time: 11:50
